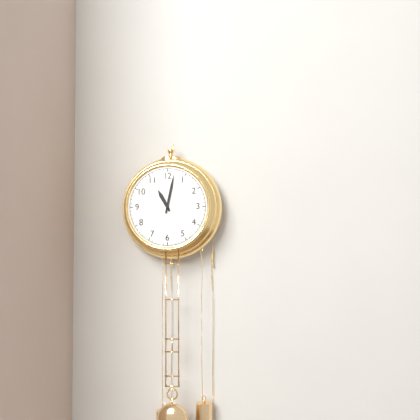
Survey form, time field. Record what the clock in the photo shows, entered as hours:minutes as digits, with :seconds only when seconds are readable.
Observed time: 11:02
